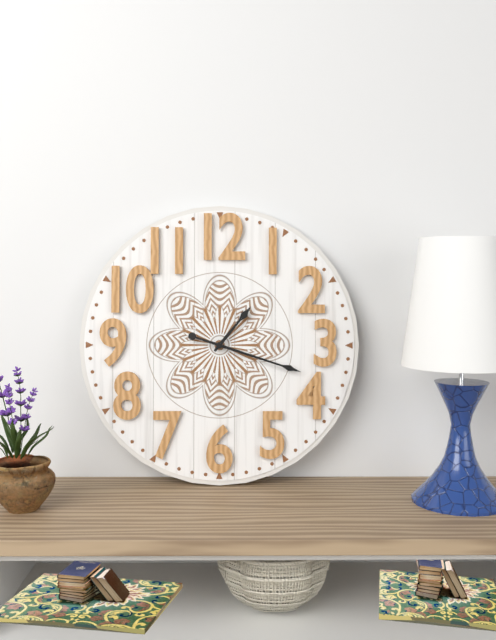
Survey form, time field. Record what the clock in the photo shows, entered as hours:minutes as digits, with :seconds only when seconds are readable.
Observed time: 1:18
